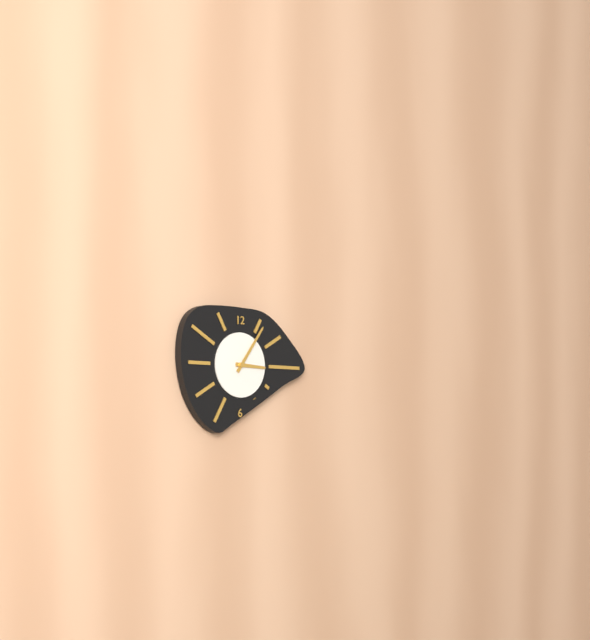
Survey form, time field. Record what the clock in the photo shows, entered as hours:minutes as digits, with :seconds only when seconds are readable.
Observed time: 3:06
